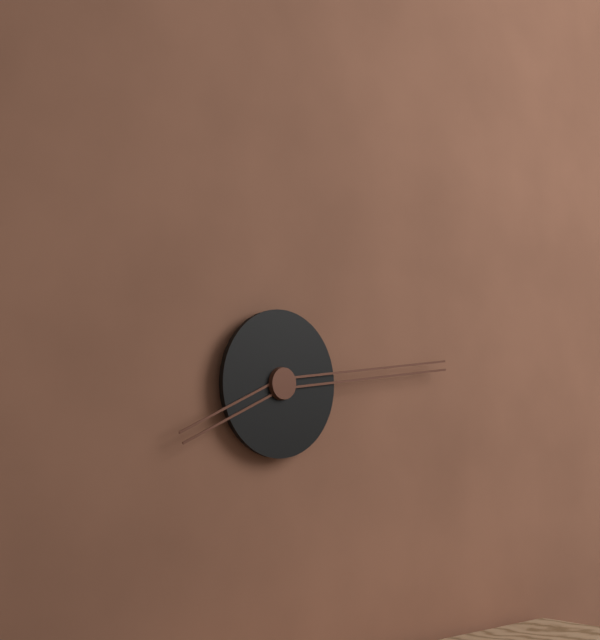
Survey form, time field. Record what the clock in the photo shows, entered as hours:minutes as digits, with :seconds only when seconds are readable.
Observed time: 8:14
